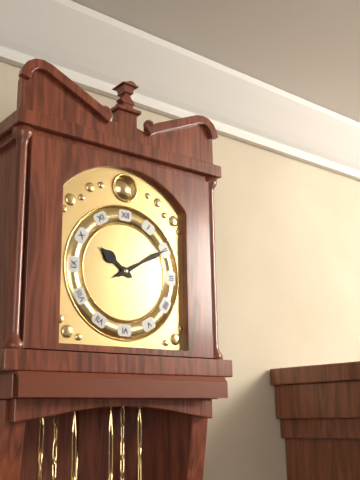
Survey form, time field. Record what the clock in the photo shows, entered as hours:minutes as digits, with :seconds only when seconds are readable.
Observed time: 10:10
